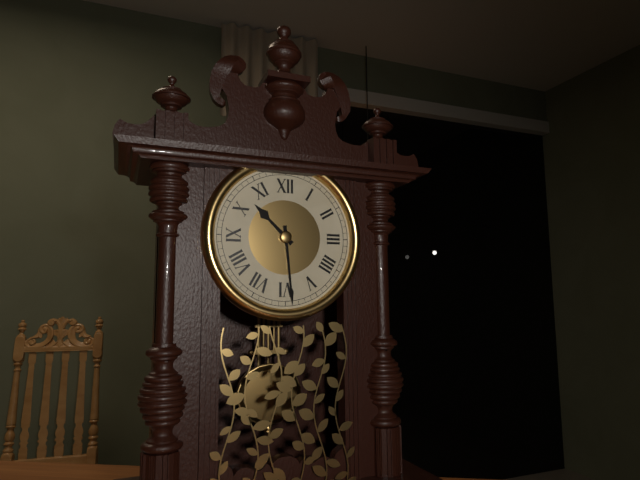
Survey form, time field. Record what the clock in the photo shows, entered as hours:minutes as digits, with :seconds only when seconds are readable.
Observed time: 10:29
